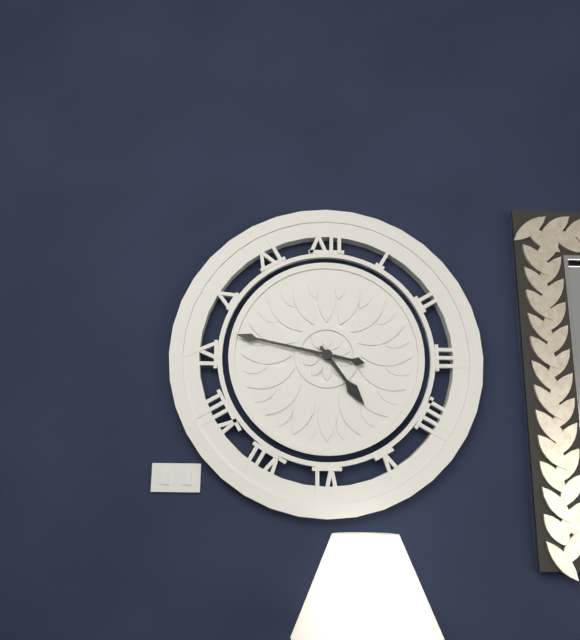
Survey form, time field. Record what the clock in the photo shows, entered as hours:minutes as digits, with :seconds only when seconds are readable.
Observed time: 4:47
